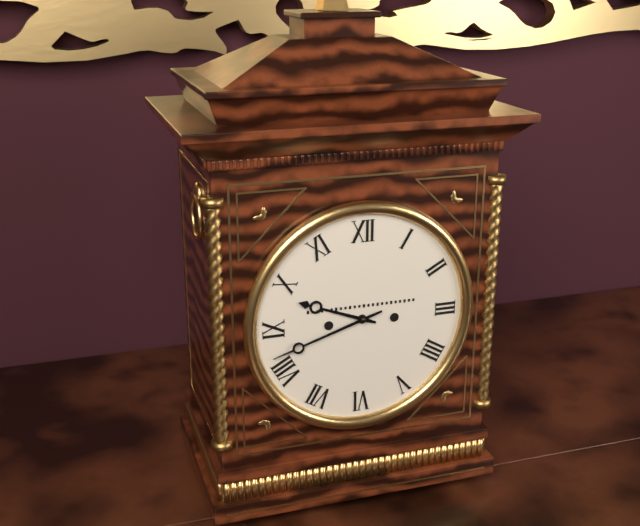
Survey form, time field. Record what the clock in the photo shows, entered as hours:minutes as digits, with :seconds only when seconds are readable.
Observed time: 9:42
